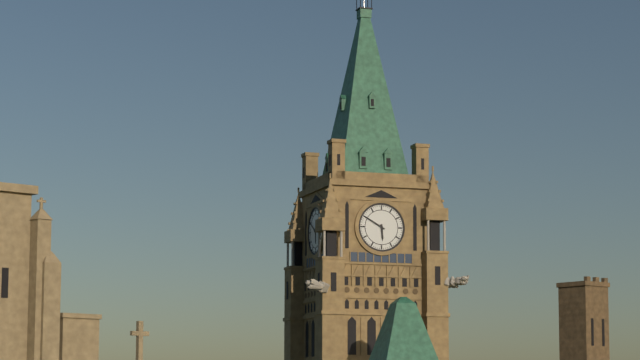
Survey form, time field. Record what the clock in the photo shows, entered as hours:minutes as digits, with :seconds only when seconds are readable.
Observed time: 5:50
